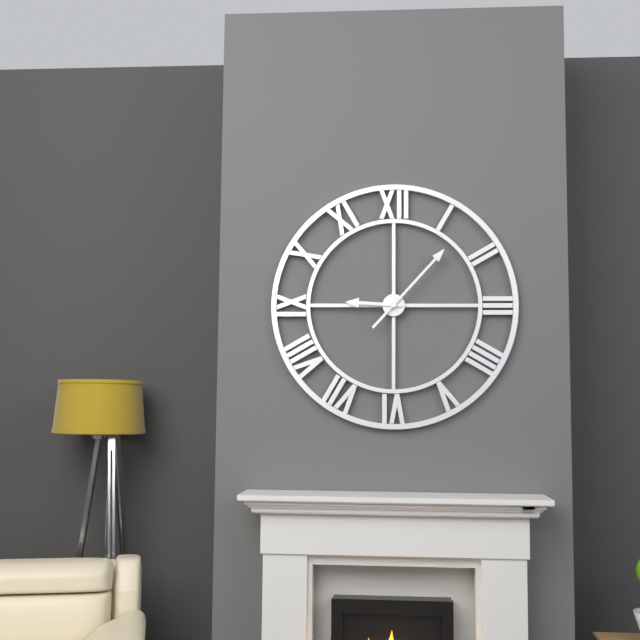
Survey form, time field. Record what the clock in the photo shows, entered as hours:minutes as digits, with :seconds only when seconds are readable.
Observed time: 9:07
